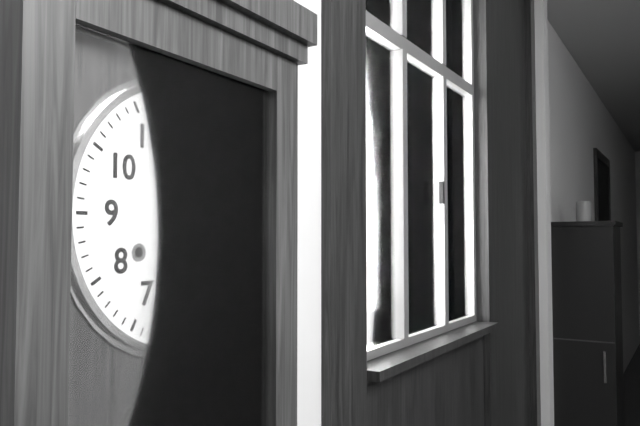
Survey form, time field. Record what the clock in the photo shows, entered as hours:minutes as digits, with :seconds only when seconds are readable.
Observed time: 6:08
